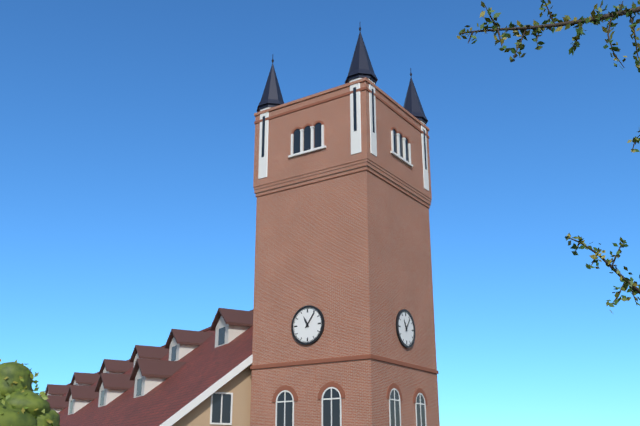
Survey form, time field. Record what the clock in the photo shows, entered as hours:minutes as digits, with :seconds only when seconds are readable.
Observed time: 11:06
